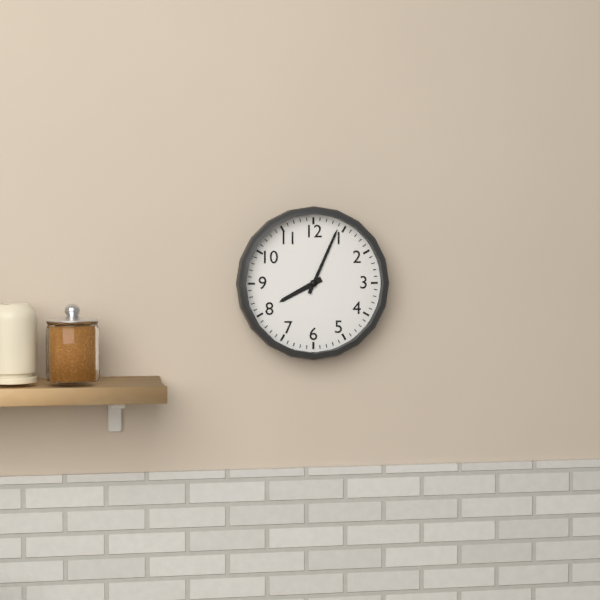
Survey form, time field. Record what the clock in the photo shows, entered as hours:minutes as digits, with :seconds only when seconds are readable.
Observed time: 8:04
